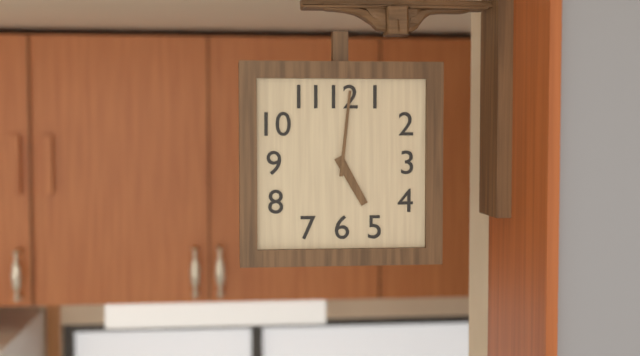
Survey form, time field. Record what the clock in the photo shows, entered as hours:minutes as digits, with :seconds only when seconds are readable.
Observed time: 5:01
